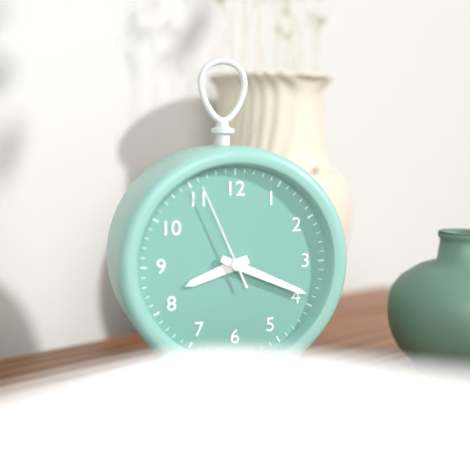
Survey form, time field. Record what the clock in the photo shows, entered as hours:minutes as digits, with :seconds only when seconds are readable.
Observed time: 8:19:56
